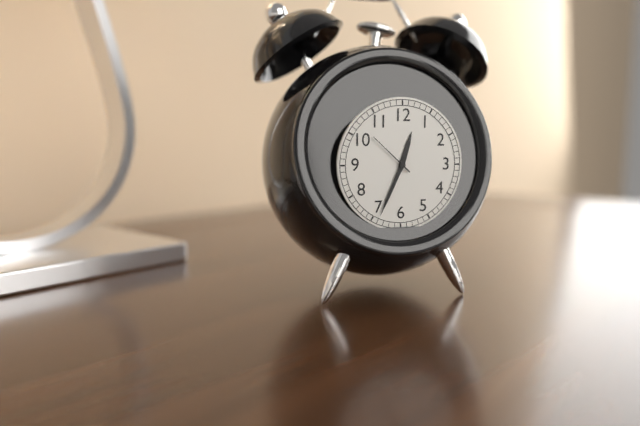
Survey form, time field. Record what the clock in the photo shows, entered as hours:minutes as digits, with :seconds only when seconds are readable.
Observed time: 12:34:52
